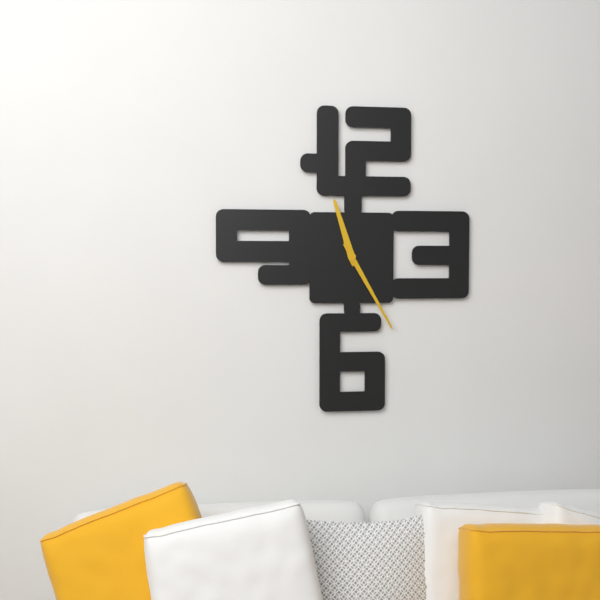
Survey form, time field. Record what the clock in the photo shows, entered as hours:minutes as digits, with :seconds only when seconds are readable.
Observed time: 11:25
